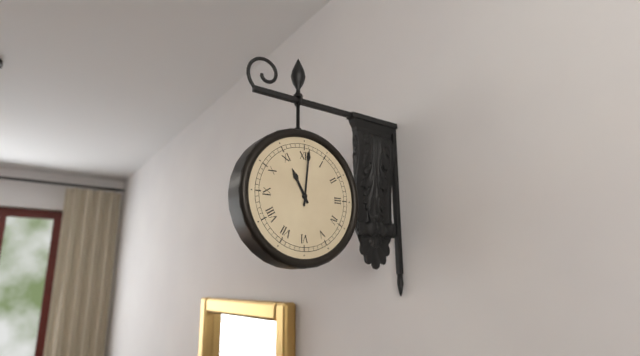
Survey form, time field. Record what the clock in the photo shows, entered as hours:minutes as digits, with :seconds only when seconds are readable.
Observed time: 11:01
